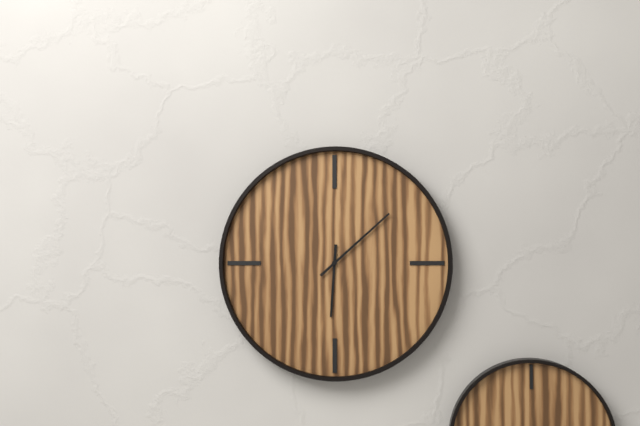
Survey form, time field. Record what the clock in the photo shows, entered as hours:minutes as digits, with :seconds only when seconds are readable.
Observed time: 6:08
